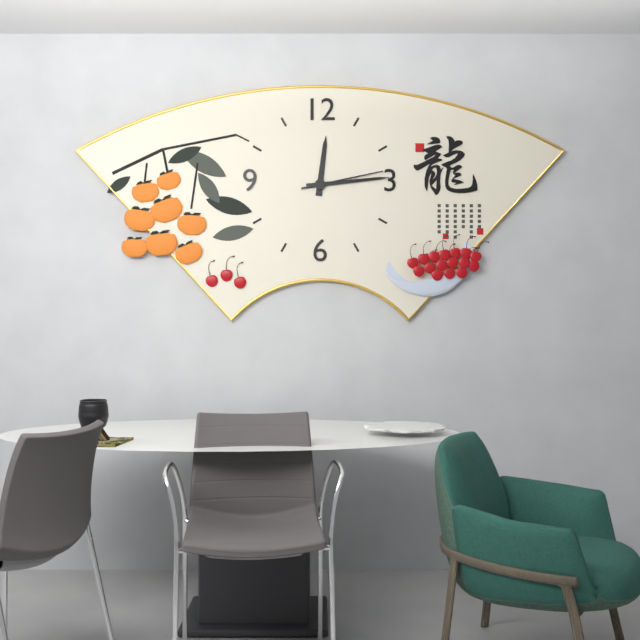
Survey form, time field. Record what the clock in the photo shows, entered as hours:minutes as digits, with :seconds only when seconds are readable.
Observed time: 12:14:13
